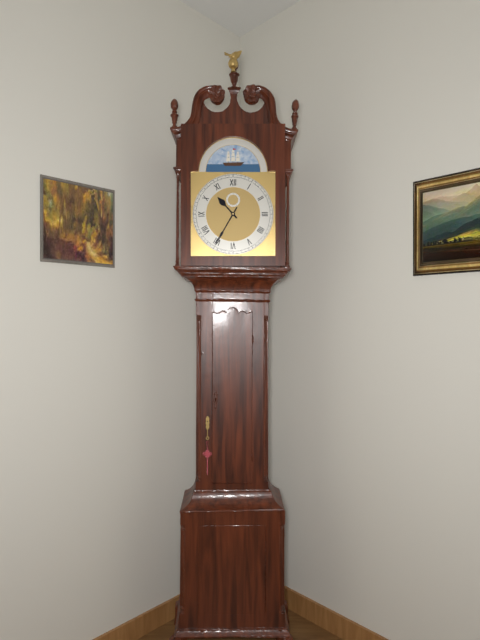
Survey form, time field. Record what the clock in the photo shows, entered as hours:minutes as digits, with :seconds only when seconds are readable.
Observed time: 10:35
